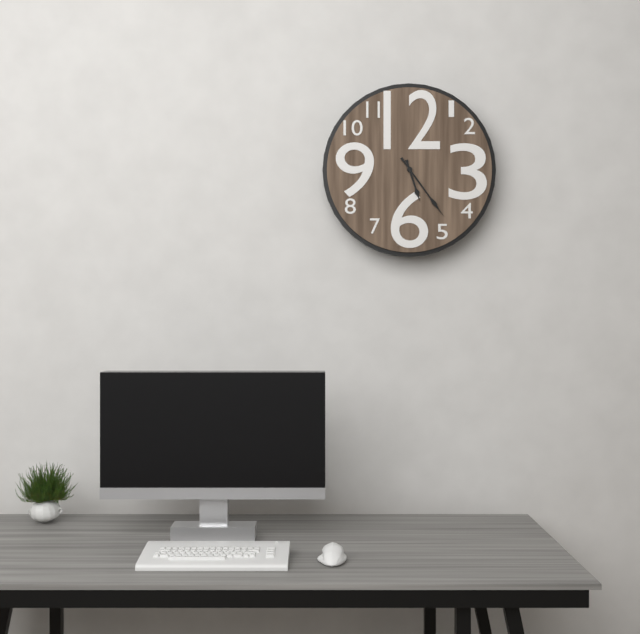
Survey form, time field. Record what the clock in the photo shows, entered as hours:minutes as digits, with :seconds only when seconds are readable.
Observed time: 5:24
